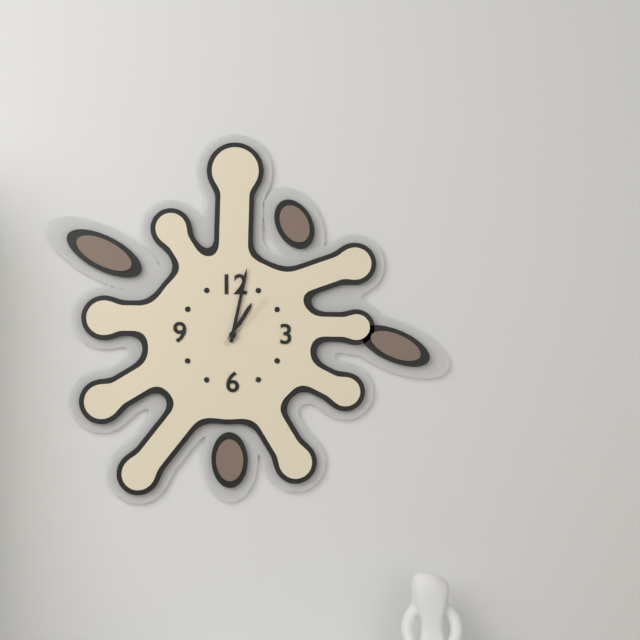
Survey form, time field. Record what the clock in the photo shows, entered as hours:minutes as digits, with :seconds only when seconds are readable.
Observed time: 1:02:07
